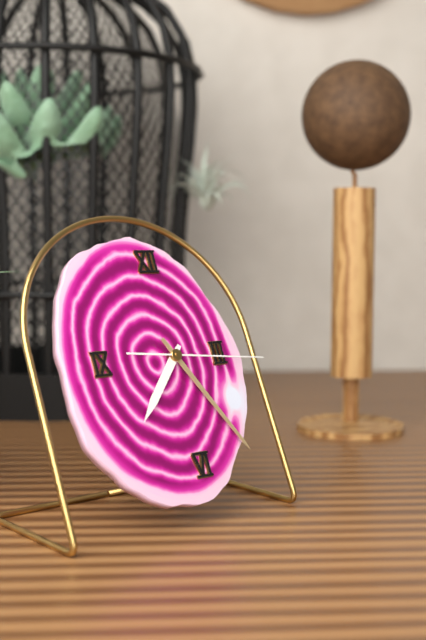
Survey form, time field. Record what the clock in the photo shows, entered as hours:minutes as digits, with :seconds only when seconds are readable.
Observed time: 7:25:16
